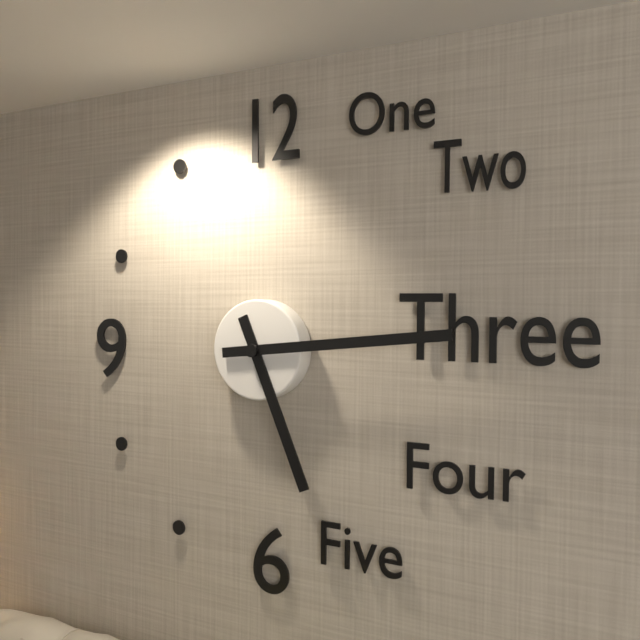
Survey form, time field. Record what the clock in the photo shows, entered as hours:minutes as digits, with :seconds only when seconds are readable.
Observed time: 5:14
